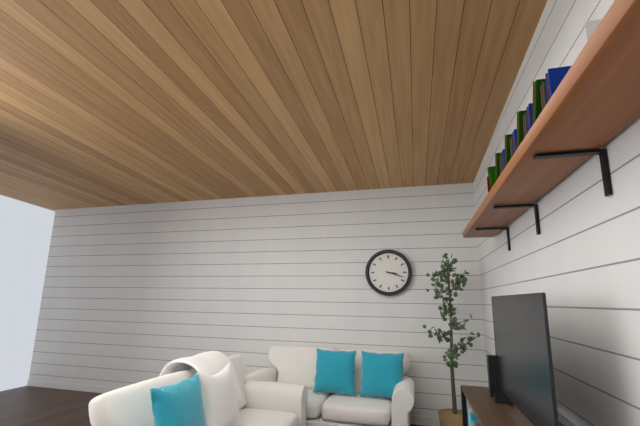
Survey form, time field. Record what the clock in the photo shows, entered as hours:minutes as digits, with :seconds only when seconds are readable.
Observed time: 3:18
